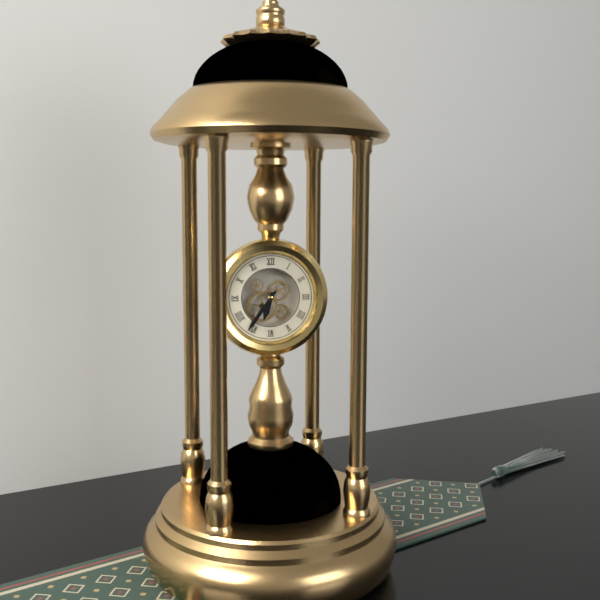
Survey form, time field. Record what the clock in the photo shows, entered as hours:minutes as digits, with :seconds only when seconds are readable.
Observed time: 6:36
